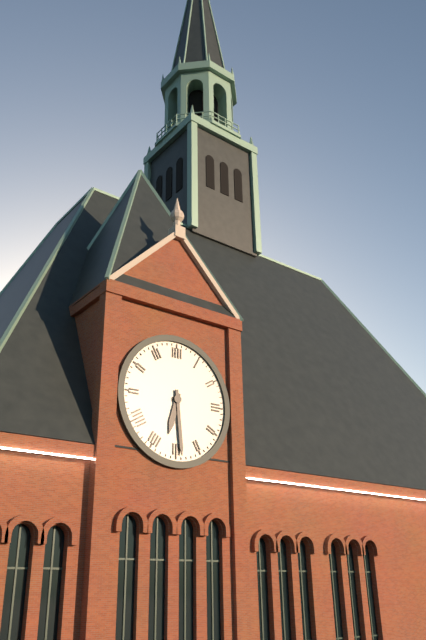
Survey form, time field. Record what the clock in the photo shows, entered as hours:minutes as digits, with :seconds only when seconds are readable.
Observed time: 6:29
